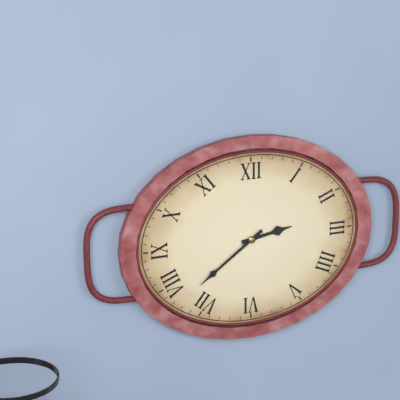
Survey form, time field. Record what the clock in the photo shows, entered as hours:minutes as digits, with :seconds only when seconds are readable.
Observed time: 2:39
